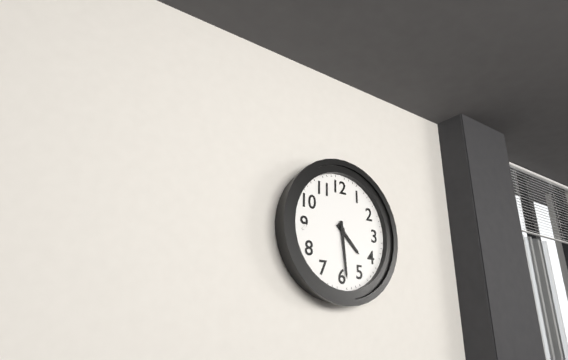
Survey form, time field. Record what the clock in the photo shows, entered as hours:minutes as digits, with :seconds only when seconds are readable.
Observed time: 4:29
